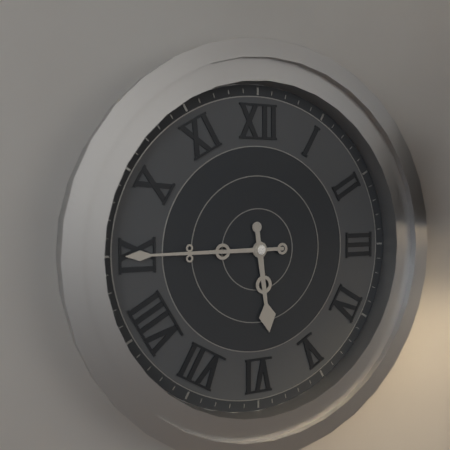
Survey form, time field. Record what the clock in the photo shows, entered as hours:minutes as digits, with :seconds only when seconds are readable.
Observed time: 5:45
